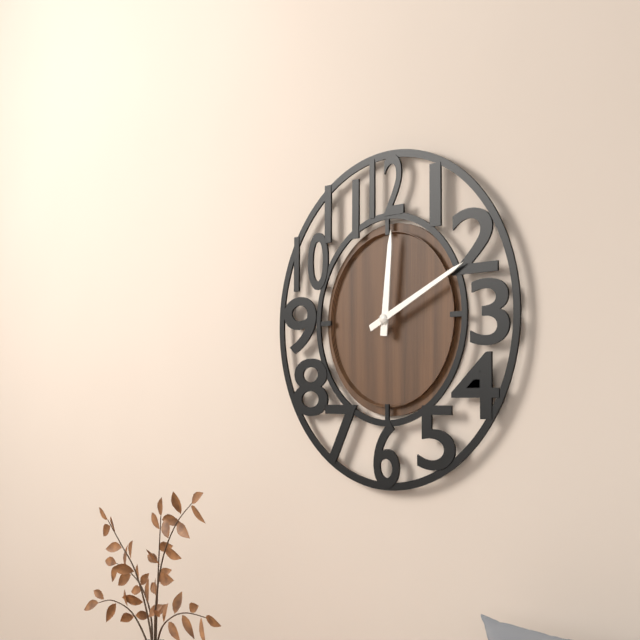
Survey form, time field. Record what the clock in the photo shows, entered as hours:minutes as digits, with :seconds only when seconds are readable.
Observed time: 12:11
